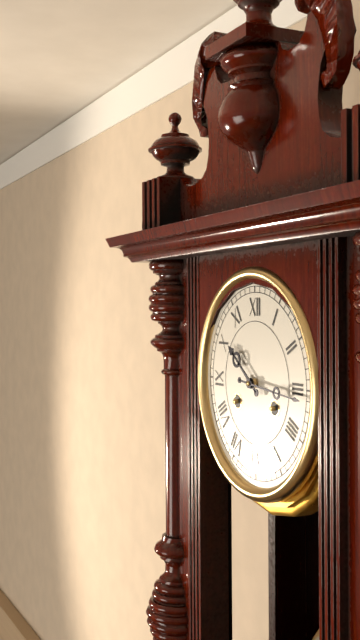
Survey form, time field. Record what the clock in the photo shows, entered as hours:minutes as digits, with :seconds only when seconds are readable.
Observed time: 10:16
